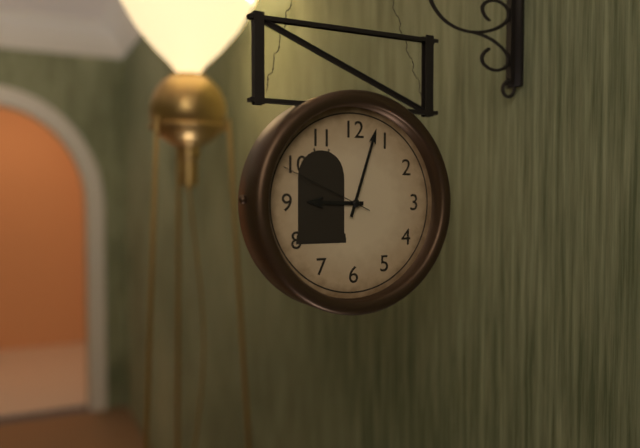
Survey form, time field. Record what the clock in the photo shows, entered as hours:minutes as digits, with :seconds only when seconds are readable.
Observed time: 9:03:49
